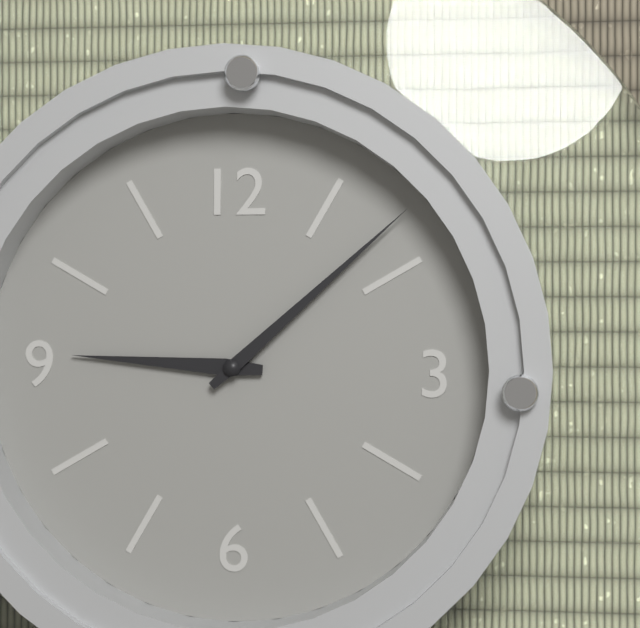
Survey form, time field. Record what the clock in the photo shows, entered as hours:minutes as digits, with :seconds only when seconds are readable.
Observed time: 9:08
